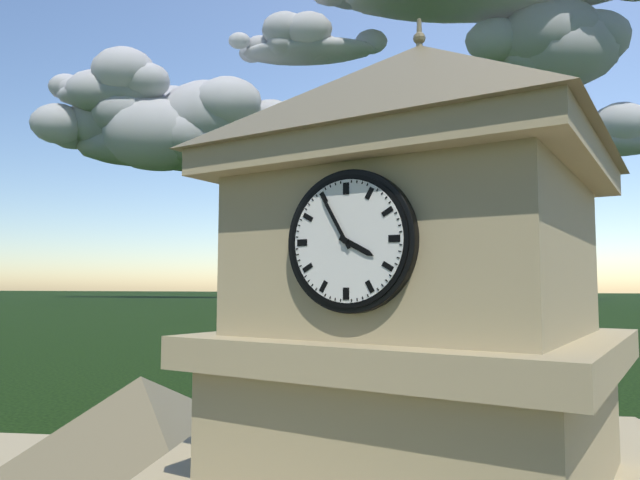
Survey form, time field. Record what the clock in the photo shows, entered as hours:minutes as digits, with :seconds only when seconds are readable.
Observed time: 3:55
